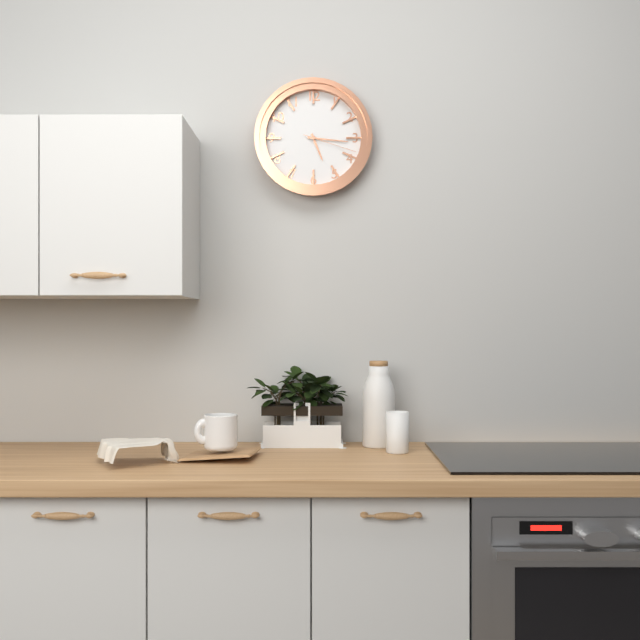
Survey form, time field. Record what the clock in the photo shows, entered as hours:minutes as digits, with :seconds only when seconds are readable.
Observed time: 5:16:18
